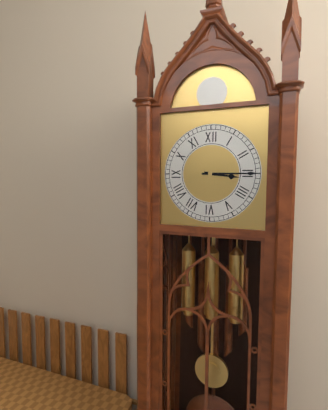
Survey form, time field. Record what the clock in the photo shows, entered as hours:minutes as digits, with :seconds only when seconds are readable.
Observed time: 3:15
